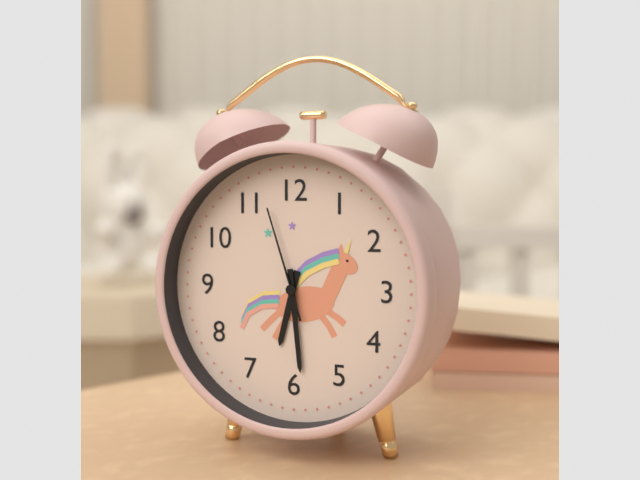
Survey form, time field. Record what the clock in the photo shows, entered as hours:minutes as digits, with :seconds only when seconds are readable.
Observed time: 6:29:57
